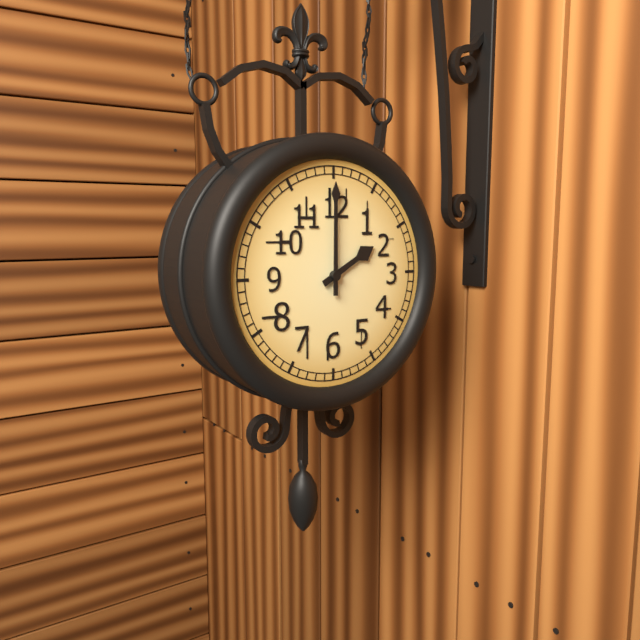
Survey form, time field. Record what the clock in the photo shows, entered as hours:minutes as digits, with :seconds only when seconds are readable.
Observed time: 2:00
